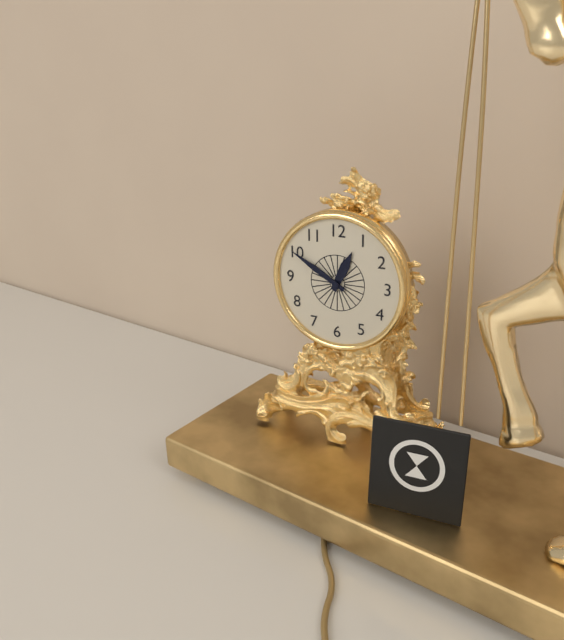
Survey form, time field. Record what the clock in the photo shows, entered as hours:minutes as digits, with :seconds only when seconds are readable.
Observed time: 12:50
